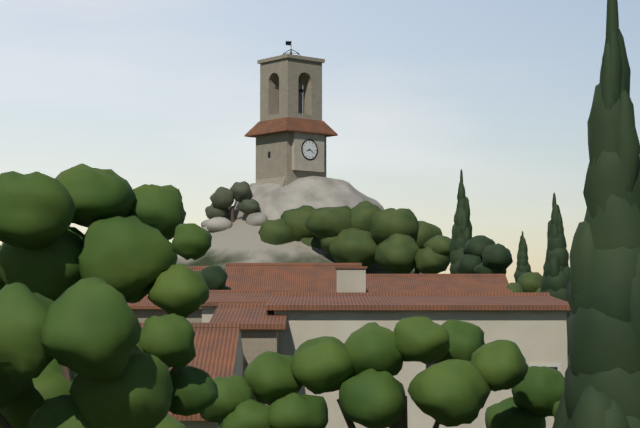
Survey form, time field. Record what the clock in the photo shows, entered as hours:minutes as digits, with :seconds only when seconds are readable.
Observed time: 8:20
